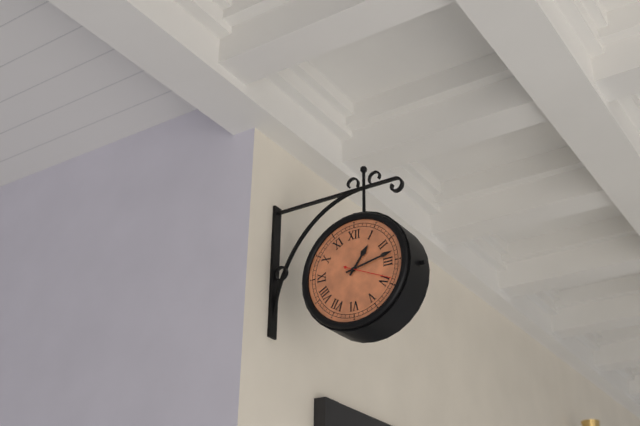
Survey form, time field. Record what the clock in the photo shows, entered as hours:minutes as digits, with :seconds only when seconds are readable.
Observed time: 1:13
